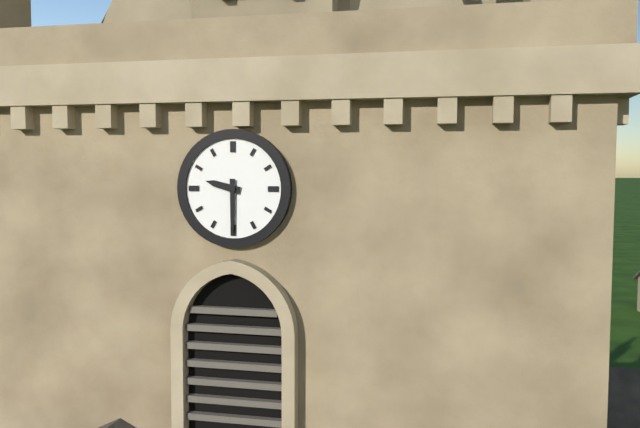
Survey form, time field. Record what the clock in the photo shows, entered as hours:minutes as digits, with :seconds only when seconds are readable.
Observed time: 9:30
